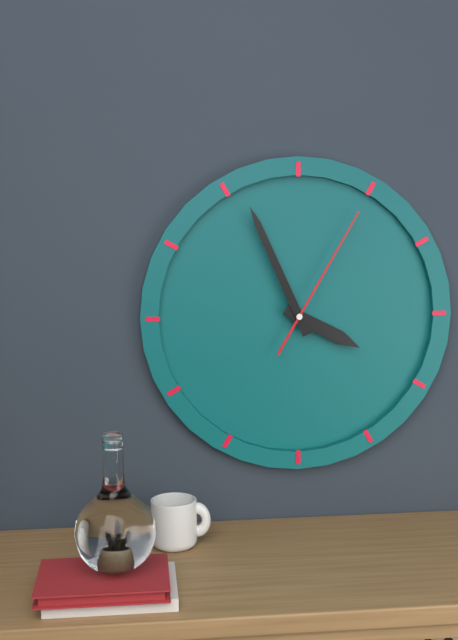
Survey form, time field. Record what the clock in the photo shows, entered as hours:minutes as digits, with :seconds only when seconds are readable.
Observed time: 3:56:05
